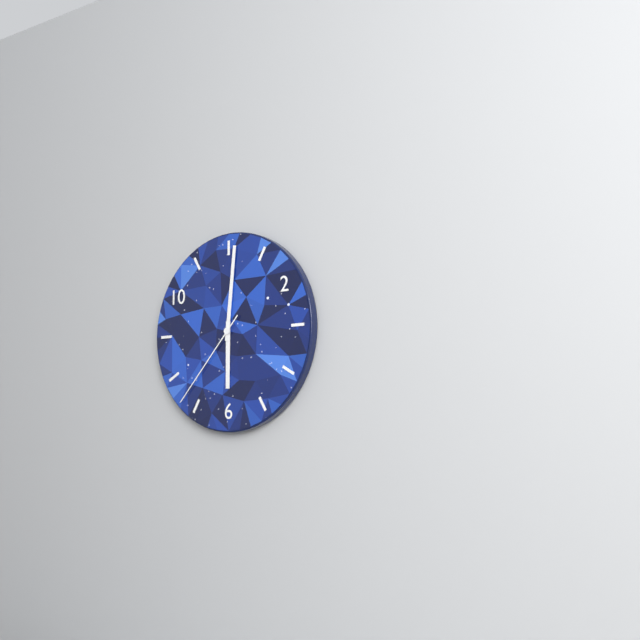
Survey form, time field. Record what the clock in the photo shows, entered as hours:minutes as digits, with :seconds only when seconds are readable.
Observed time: 6:01:37
